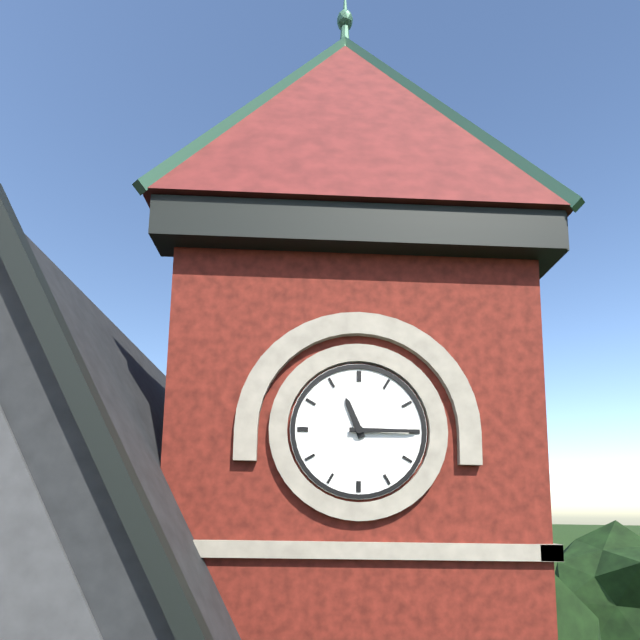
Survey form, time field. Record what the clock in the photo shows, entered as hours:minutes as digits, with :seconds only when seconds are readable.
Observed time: 11:15
